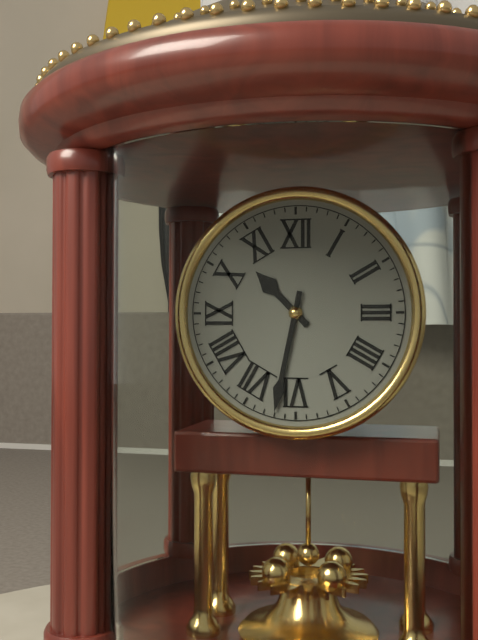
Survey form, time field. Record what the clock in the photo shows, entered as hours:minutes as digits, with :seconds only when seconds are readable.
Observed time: 10:32
